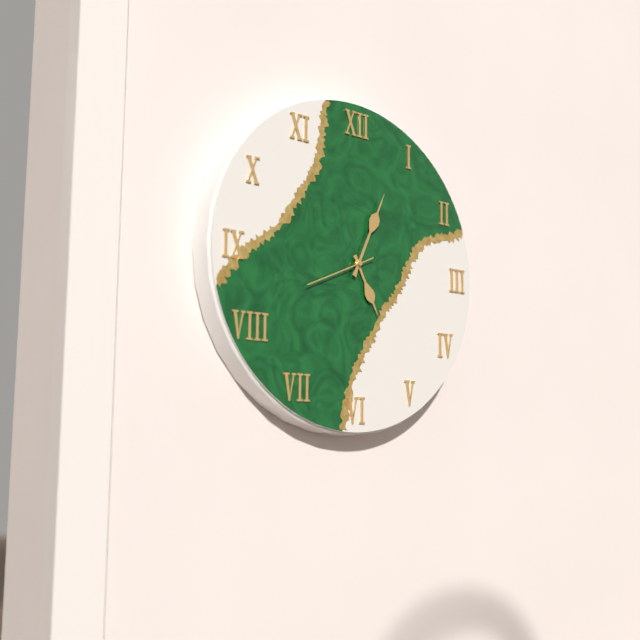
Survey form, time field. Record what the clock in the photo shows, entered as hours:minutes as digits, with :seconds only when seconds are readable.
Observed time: 5:04:41
